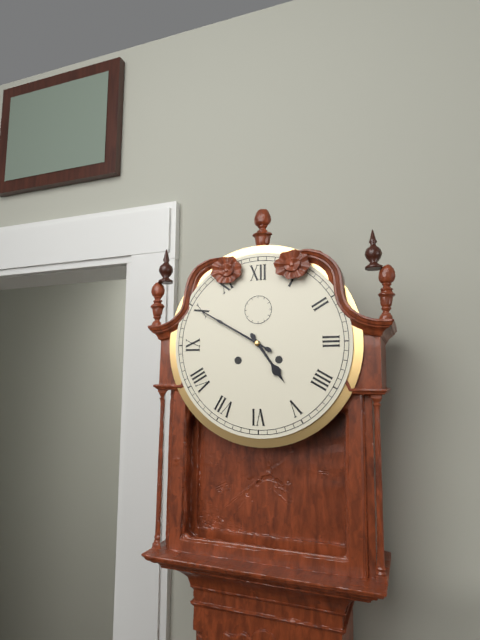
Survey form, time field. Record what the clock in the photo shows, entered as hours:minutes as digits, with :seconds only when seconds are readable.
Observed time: 4:50
